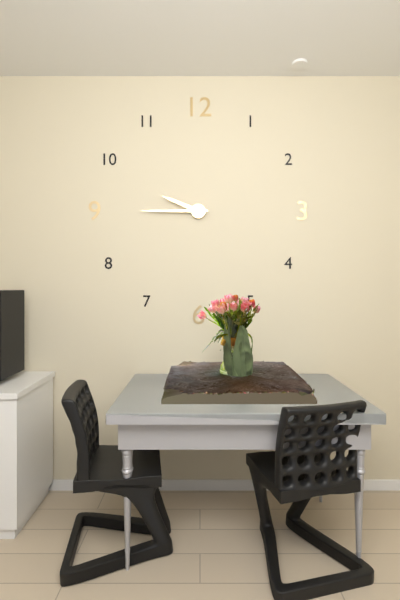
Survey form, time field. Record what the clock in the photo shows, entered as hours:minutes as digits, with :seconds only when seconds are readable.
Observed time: 9:45
